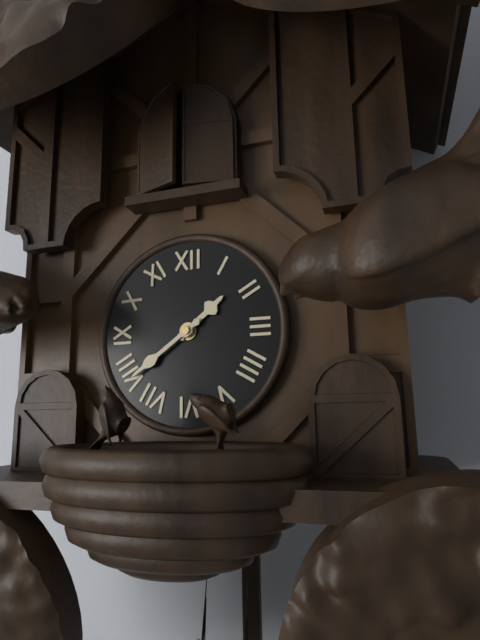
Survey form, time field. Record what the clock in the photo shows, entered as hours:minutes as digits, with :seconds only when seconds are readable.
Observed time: 1:39
